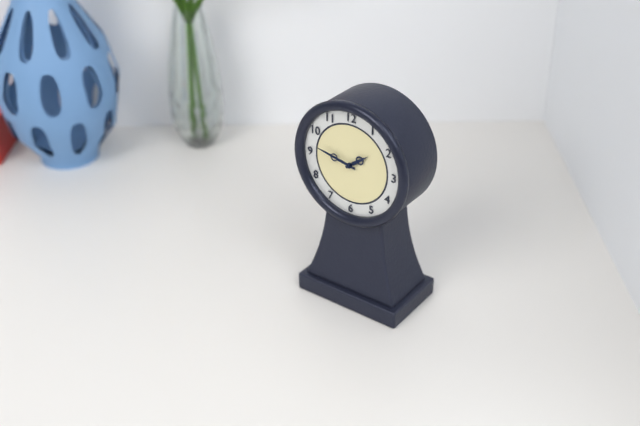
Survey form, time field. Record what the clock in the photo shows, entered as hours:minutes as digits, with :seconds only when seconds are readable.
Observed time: 1:47
